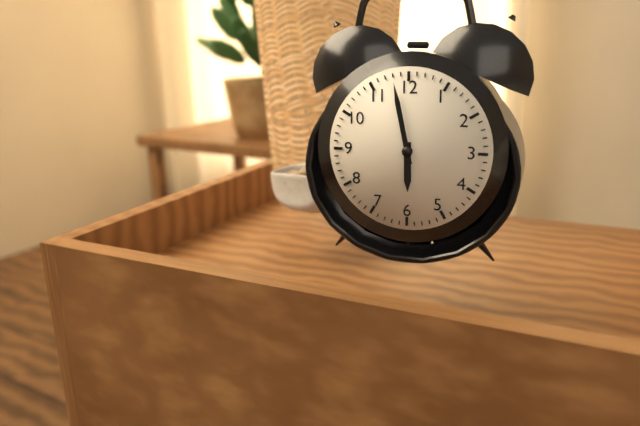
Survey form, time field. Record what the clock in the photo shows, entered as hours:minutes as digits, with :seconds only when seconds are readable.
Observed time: 5:58
